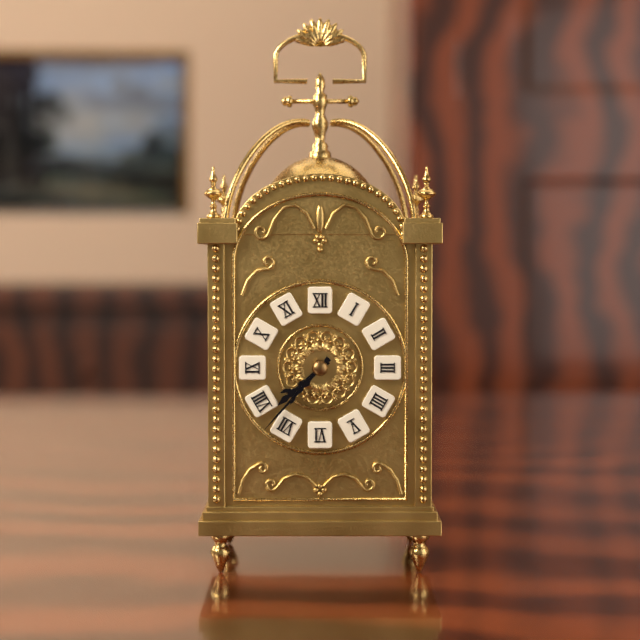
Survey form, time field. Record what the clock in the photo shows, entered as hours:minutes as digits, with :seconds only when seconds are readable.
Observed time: 7:37
